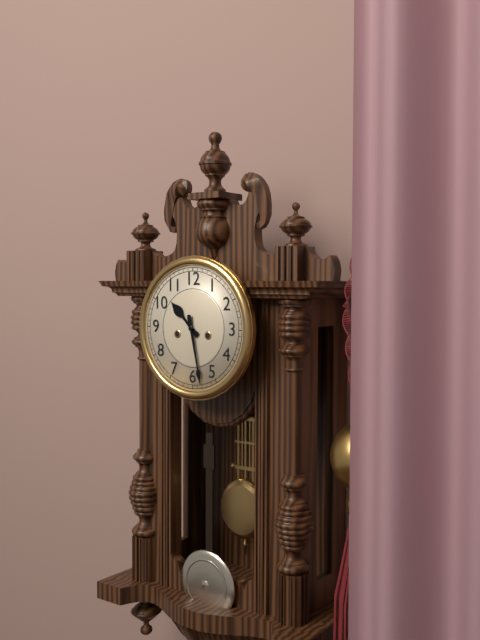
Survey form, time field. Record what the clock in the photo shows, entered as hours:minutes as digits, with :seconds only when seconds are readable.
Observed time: 10:28
